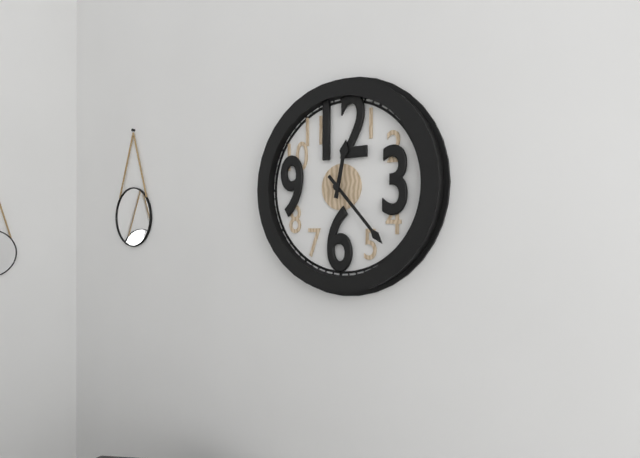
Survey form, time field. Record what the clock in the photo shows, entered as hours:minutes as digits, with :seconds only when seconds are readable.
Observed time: 12:23
